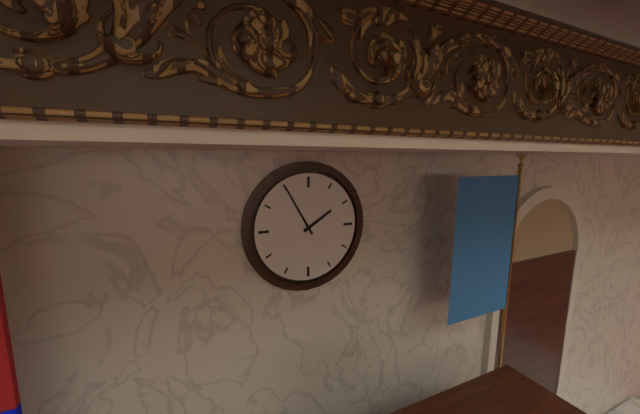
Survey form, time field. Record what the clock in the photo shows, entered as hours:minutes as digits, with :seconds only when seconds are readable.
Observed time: 1:55
